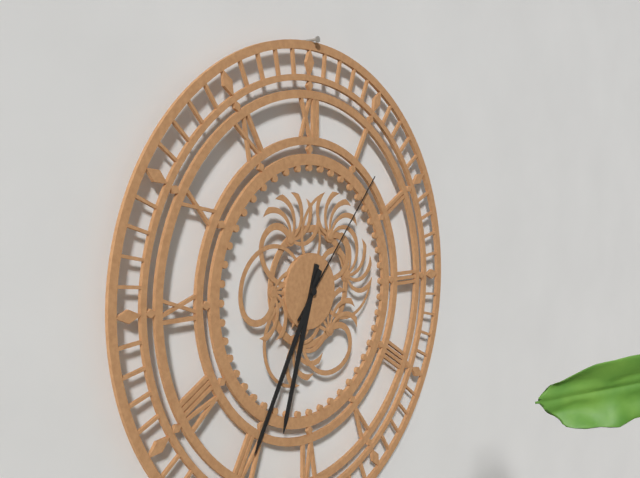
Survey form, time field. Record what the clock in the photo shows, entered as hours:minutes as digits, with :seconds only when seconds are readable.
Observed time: 6:35:07
